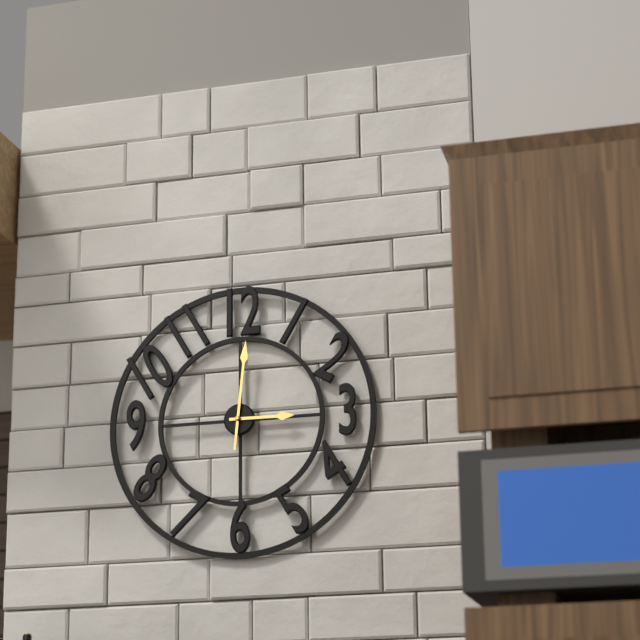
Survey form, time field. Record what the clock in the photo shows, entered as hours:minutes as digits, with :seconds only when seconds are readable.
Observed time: 3:01
